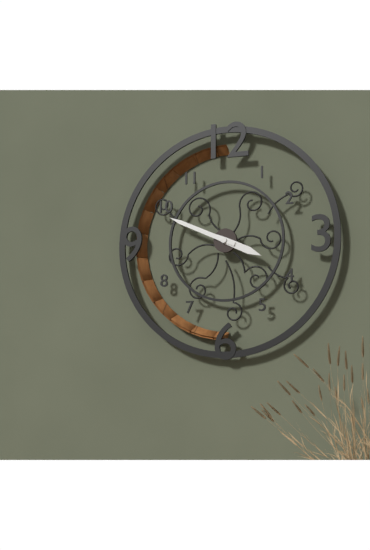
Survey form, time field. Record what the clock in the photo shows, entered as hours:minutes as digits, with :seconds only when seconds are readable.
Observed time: 3:49
